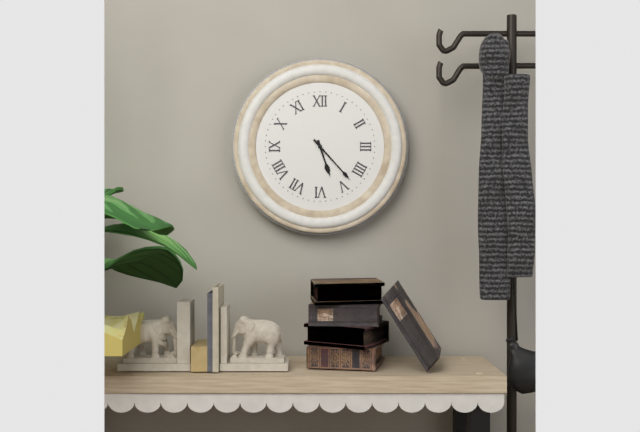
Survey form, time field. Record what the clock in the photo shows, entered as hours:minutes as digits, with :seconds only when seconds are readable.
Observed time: 5:23
